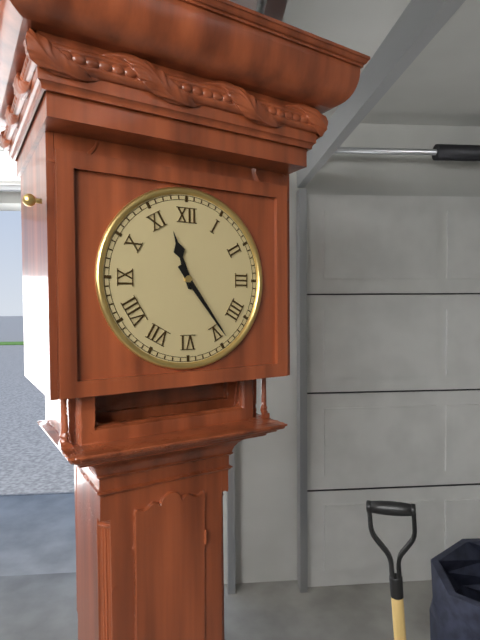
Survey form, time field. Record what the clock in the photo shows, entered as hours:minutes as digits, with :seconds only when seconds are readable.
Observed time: 11:24
